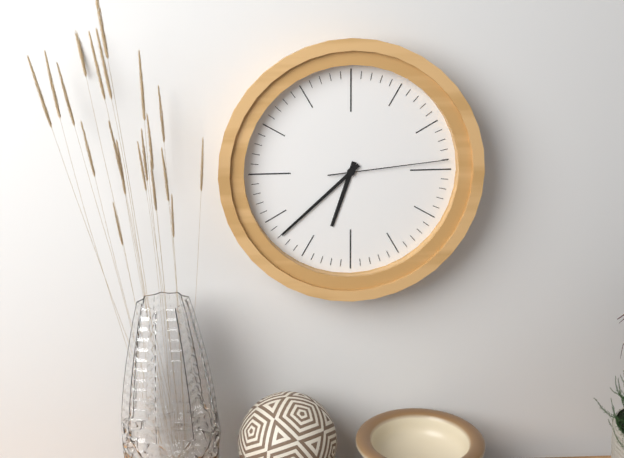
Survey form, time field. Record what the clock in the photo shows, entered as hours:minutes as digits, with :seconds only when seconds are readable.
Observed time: 6:38:14
